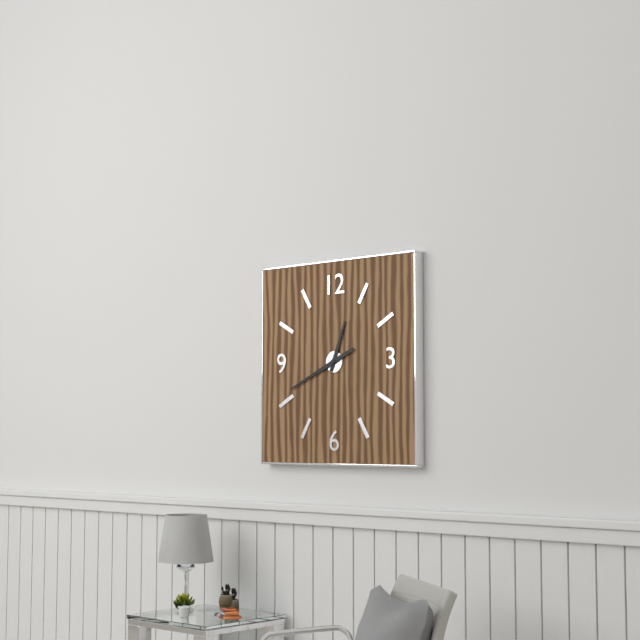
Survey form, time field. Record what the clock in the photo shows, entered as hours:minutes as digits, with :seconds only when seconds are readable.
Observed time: 12:41
